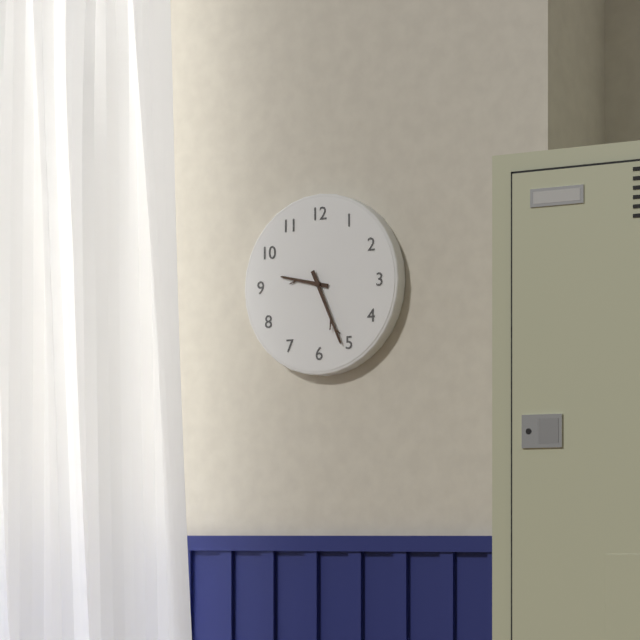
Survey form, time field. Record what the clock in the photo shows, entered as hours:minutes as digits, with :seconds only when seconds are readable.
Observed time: 9:26
